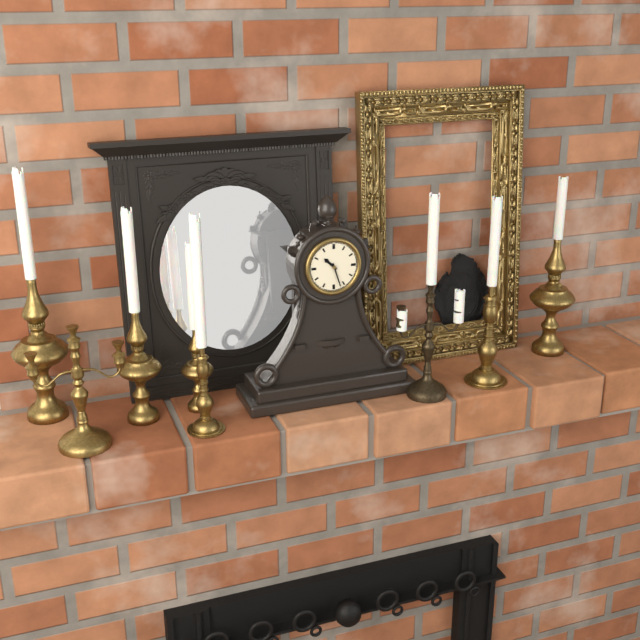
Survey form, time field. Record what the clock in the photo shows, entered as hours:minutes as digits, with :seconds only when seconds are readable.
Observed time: 10:27
